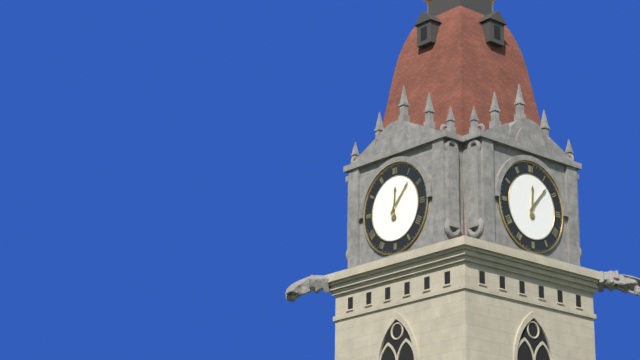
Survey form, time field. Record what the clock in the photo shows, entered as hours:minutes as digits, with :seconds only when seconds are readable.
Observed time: 12:07
